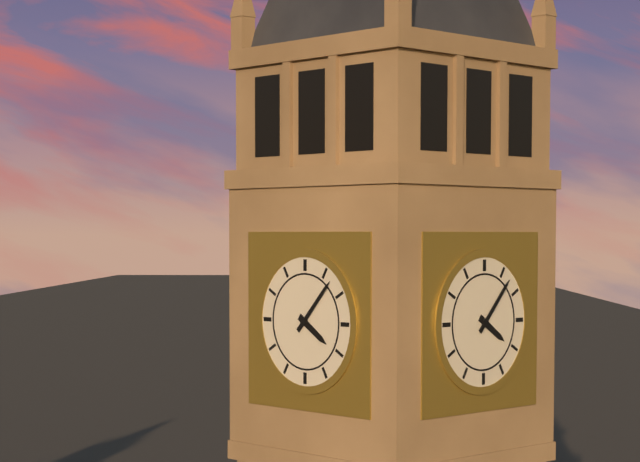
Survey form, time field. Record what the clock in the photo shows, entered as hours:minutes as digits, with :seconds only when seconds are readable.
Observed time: 4:07
